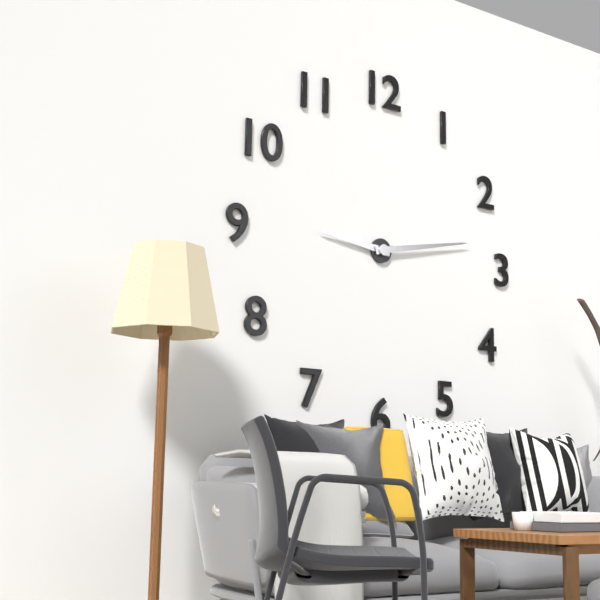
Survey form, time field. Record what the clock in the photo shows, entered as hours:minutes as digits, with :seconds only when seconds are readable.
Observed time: 9:13
